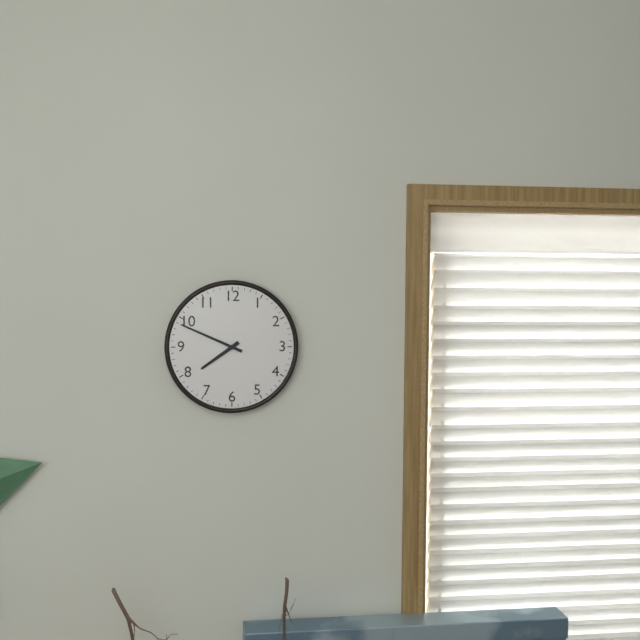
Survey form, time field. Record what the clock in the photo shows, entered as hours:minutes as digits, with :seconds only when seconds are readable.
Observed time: 7:49
